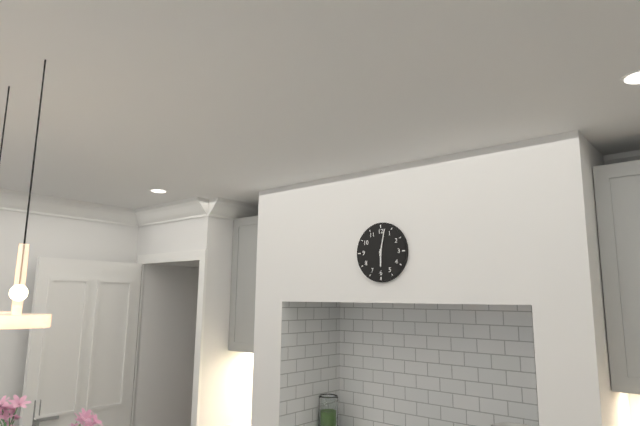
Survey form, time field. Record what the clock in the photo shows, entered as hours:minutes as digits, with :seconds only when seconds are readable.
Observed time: 6:02
